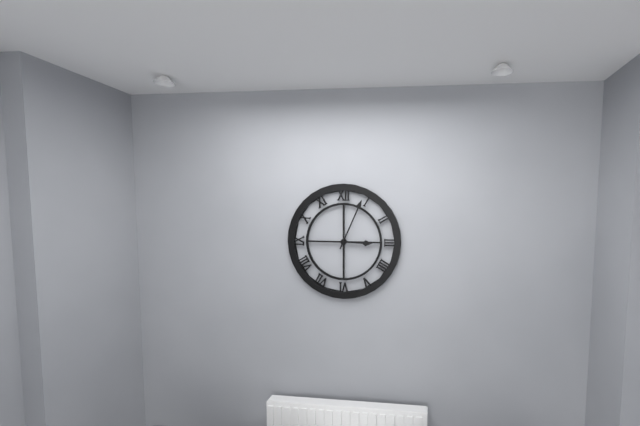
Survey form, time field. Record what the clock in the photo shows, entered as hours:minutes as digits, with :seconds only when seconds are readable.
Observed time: 3:04
